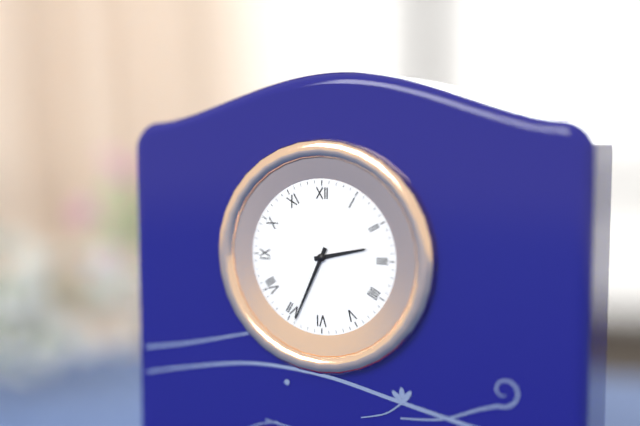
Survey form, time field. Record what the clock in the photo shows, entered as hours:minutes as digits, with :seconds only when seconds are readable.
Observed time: 2:34
